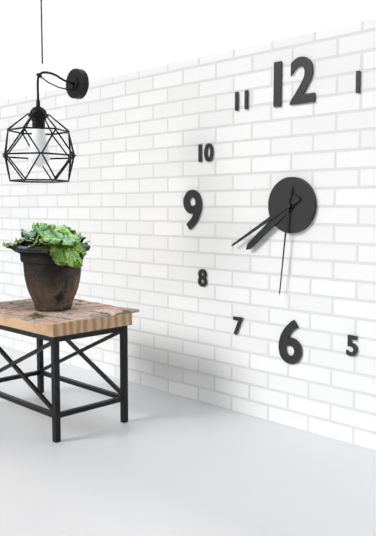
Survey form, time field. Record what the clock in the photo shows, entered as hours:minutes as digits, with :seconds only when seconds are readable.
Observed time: 7:40:31
